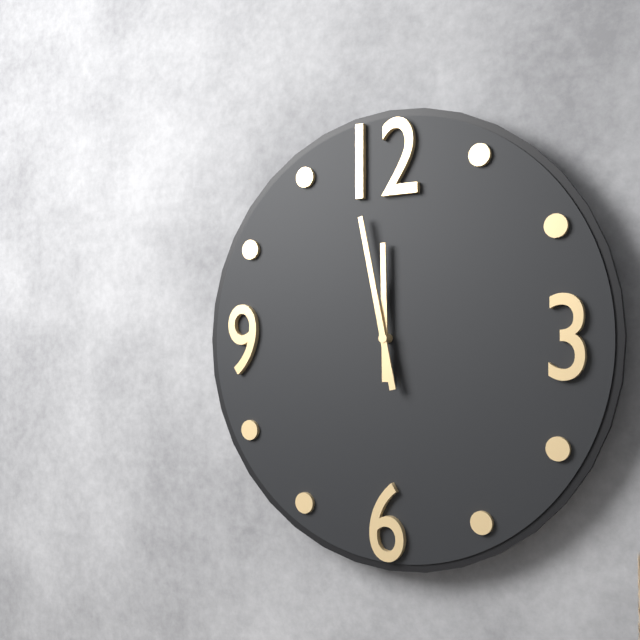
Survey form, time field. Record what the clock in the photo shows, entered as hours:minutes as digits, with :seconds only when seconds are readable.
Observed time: 11:58
